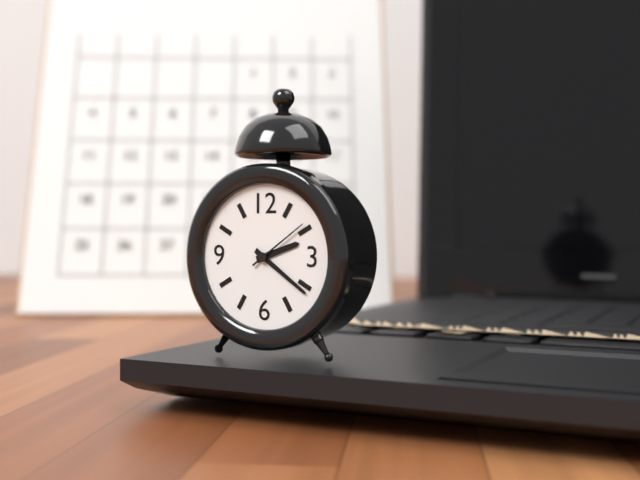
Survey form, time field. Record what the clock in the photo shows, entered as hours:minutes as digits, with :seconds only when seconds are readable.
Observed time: 2:21:09
